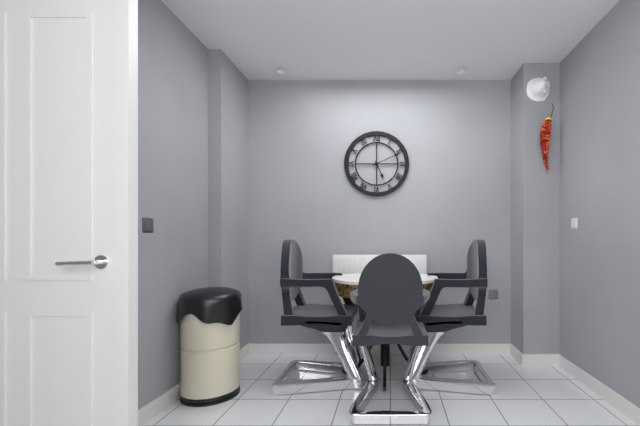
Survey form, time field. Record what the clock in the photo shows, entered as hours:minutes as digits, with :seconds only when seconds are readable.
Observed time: 5:11
